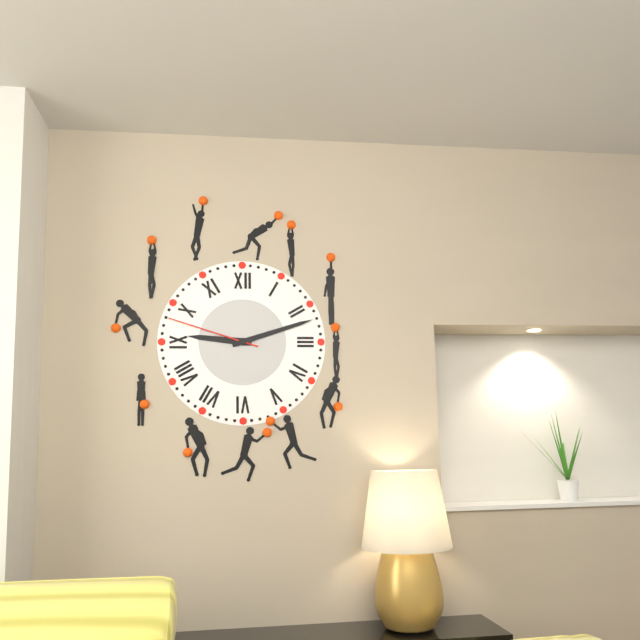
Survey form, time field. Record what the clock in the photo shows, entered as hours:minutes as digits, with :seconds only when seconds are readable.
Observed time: 9:12:48
